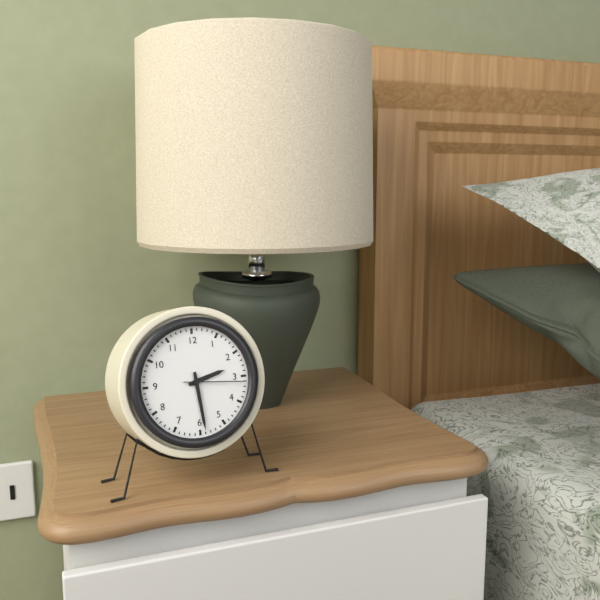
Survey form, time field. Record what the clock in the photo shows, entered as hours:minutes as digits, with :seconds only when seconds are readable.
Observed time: 2:29:16
